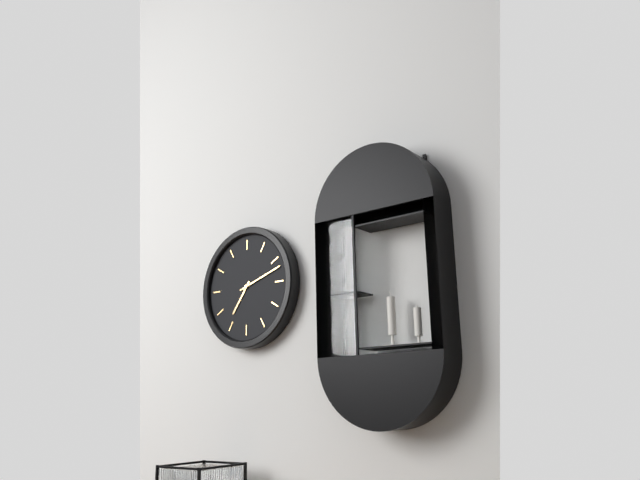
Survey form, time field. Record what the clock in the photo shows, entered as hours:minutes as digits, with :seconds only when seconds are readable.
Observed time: 7:12
